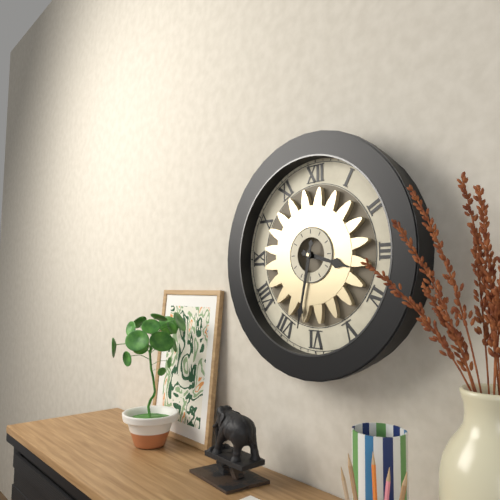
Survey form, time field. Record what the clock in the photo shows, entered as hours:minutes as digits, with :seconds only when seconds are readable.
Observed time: 3:32
